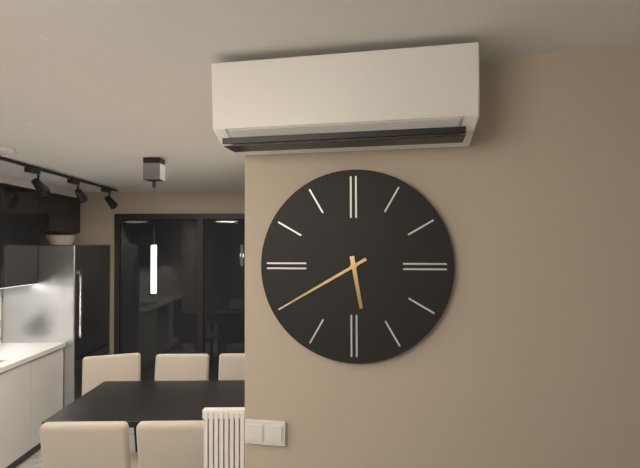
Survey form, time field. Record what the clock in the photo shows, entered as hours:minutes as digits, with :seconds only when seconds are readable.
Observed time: 5:40
